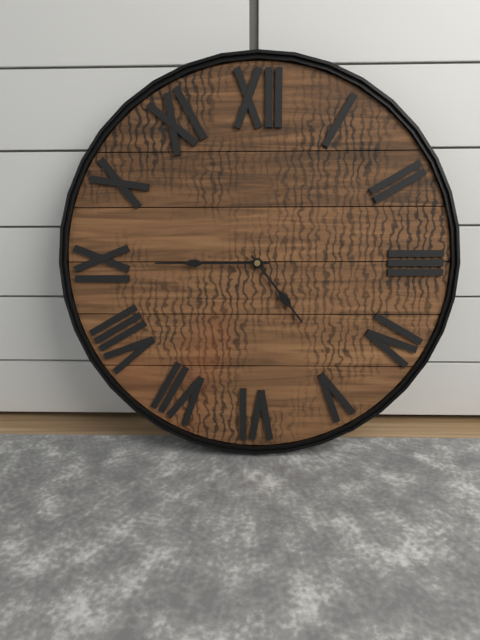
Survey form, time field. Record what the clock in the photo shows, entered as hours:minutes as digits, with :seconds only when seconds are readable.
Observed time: 4:45
